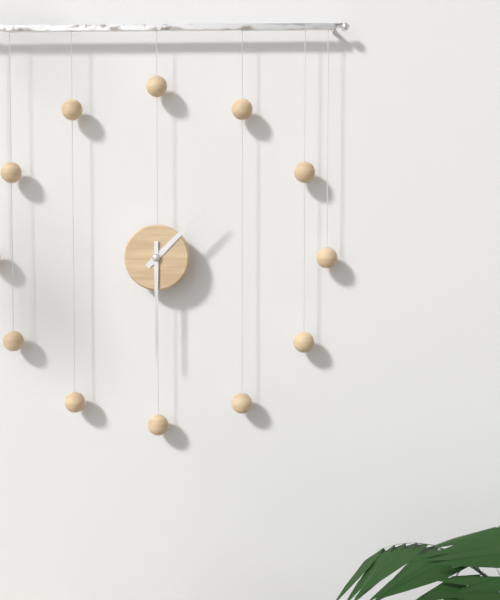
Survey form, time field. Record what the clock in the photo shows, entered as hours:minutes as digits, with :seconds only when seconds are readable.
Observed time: 1:30
